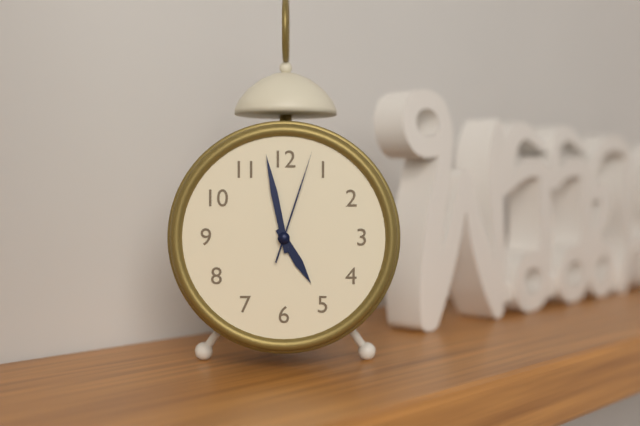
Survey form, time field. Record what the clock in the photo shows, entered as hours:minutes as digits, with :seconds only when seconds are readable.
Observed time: 4:58:03
